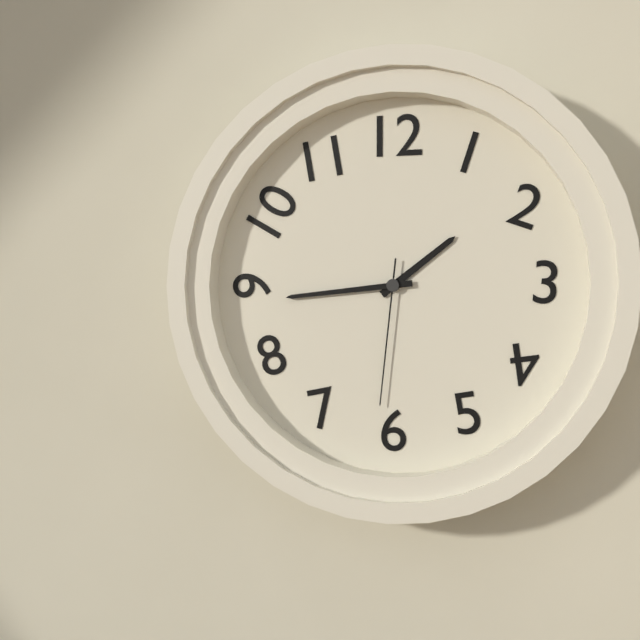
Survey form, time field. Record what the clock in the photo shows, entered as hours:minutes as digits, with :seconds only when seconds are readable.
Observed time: 1:44:31
